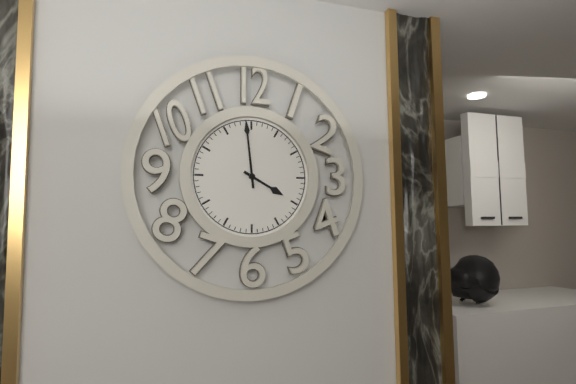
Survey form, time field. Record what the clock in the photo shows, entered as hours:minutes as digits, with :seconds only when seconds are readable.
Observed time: 3:59
